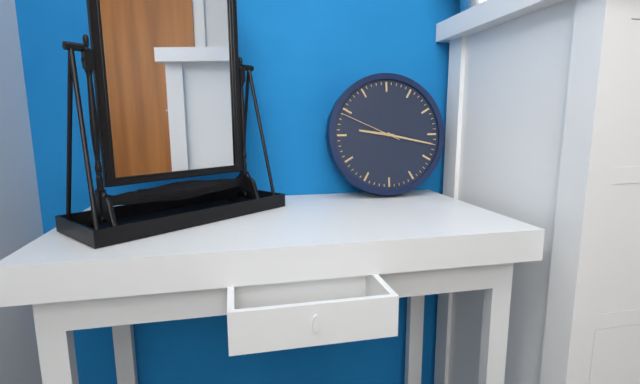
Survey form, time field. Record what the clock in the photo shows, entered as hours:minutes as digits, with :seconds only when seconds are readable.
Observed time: 9:17:49
